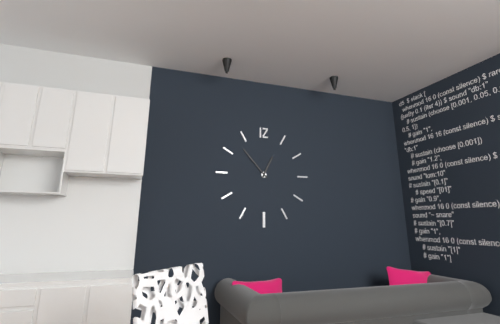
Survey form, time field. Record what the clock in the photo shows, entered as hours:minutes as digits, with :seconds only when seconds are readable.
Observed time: 12:53
